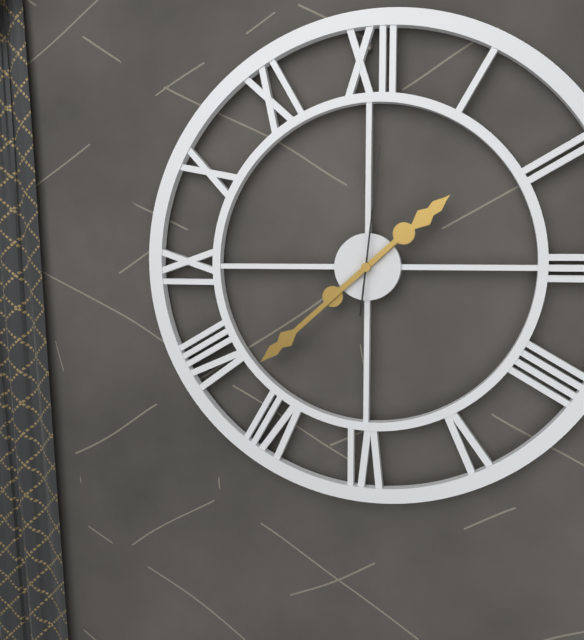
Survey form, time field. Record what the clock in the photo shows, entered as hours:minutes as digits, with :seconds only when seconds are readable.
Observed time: 1:38:01
